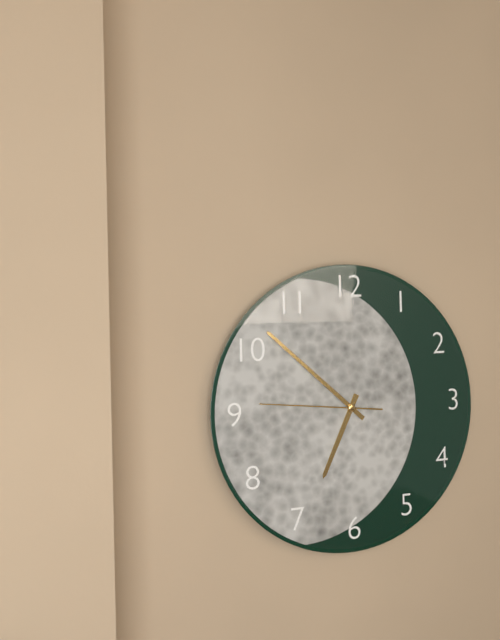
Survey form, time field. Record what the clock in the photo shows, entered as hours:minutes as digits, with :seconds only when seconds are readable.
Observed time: 6:52:46
